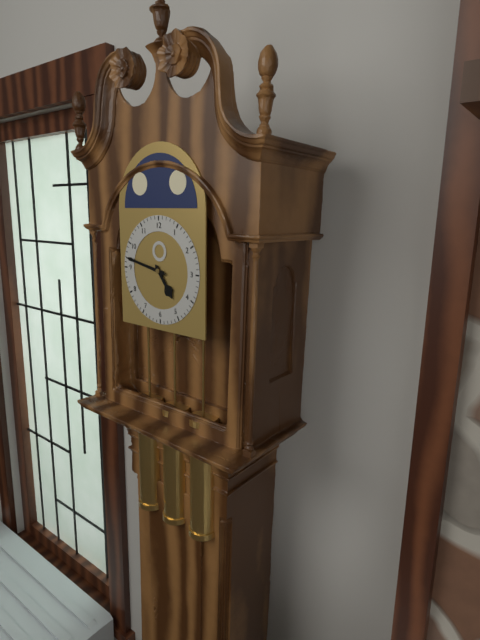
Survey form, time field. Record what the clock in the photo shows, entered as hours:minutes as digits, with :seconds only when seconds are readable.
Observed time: 4:47
